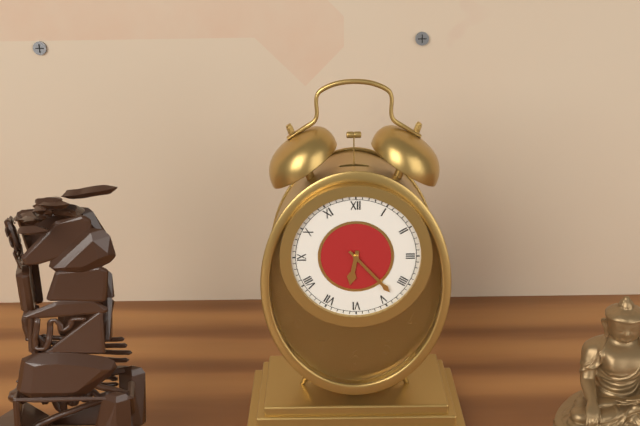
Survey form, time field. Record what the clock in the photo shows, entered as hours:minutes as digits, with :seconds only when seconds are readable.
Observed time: 6:23
